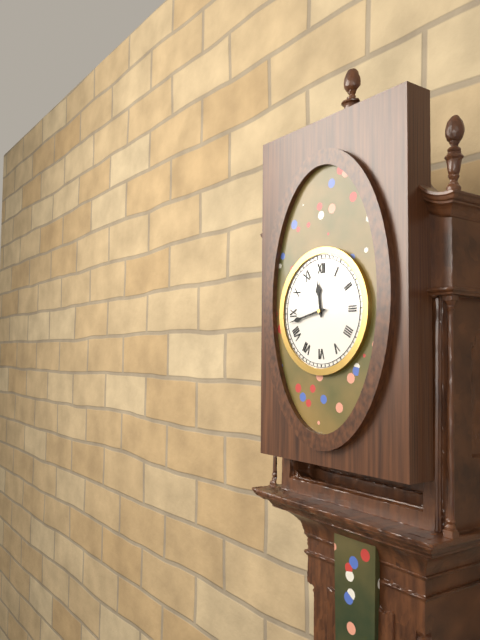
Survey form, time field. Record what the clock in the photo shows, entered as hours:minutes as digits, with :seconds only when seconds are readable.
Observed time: 11:43
